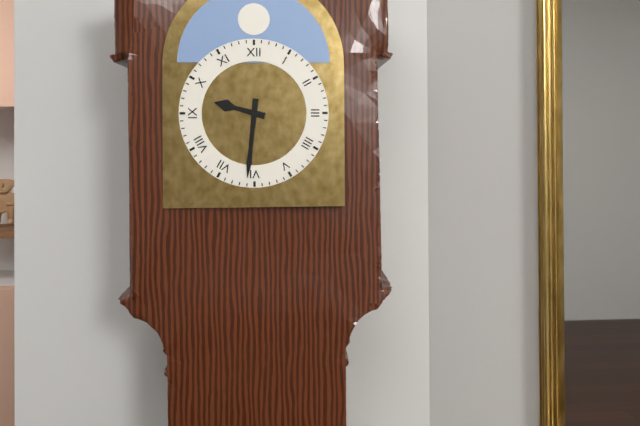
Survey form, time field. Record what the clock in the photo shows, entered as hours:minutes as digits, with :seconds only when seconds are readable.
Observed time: 9:31
